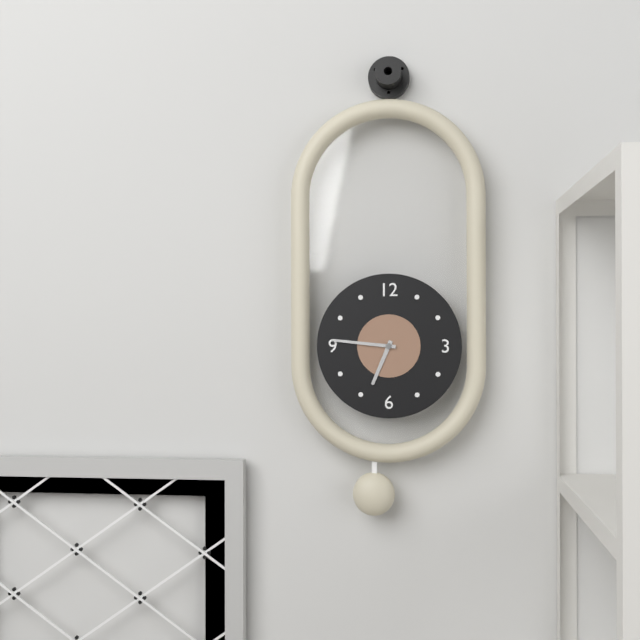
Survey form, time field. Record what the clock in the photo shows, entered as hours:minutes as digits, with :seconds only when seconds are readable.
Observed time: 6:46
